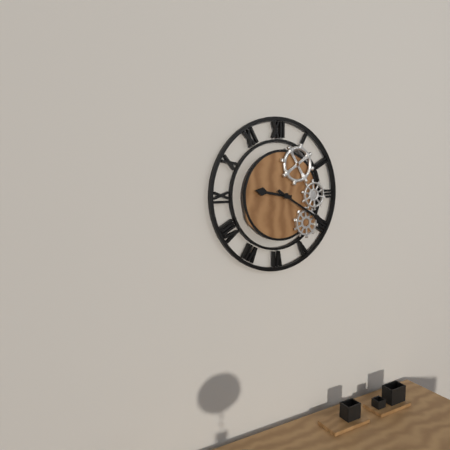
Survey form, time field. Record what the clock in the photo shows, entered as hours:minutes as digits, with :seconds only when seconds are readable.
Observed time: 9:20
